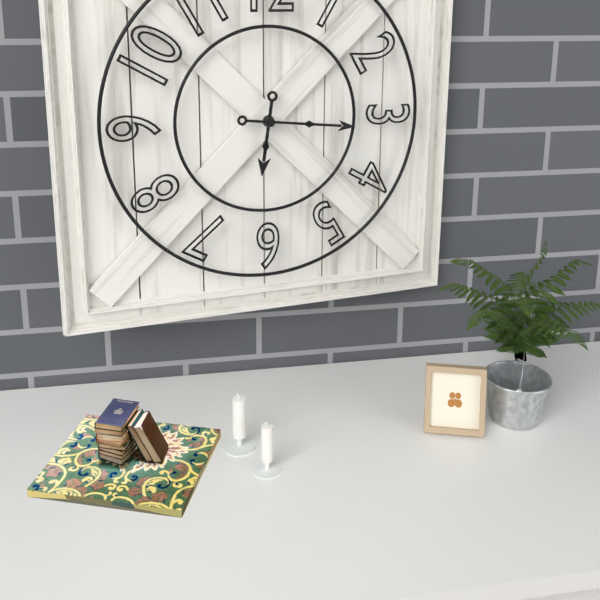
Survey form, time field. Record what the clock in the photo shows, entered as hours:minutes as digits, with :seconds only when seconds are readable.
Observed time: 6:16
